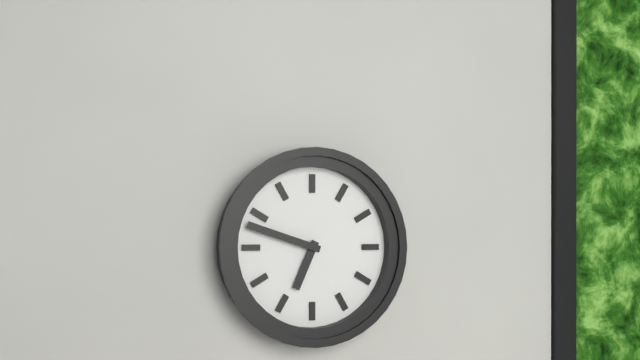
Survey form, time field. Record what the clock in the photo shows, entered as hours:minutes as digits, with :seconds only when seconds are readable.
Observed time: 6:48
